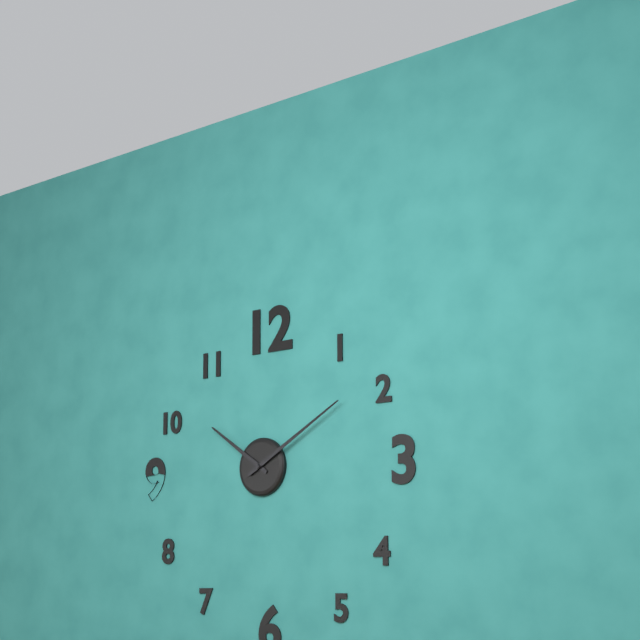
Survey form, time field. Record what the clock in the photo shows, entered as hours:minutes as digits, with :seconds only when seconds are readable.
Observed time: 10:10
